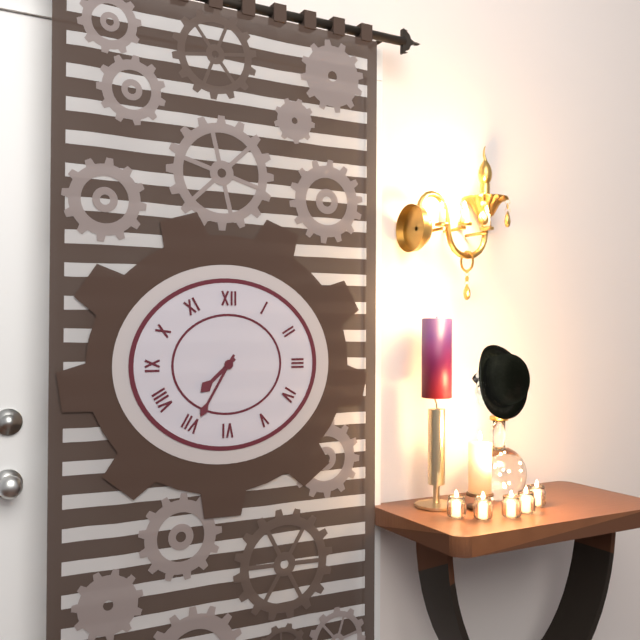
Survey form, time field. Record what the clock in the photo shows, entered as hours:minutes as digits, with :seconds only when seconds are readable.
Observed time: 7:35
